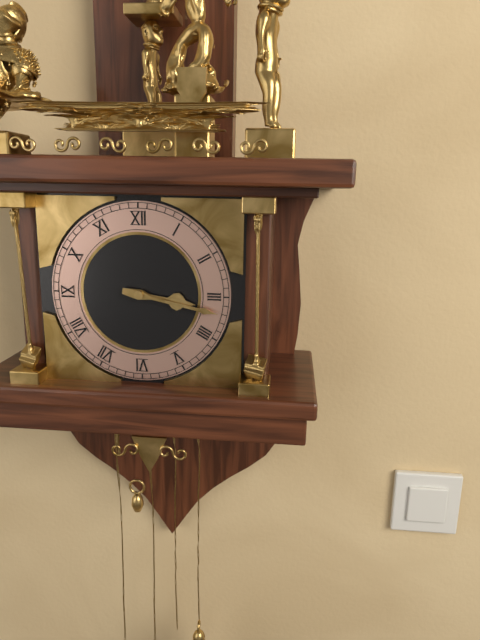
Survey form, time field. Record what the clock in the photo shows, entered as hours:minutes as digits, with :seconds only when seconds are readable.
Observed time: 3:17
